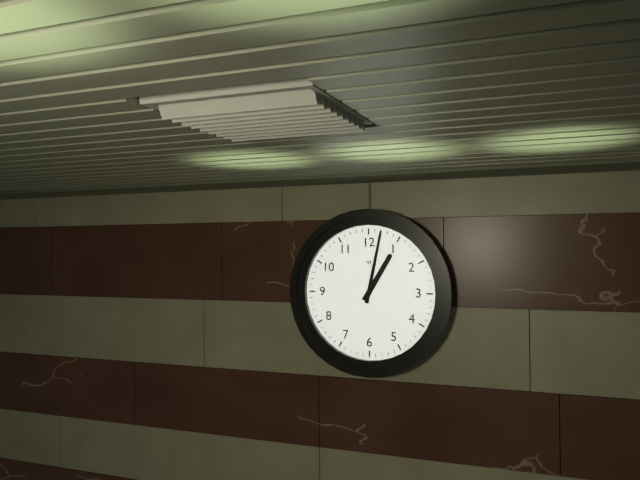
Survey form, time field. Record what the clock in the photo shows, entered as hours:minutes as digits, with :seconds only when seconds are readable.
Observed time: 1:02
